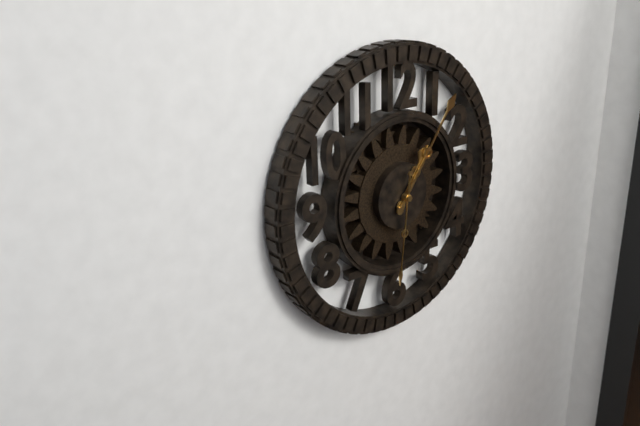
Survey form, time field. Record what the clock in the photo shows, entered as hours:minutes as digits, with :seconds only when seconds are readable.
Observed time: 1:06:31
